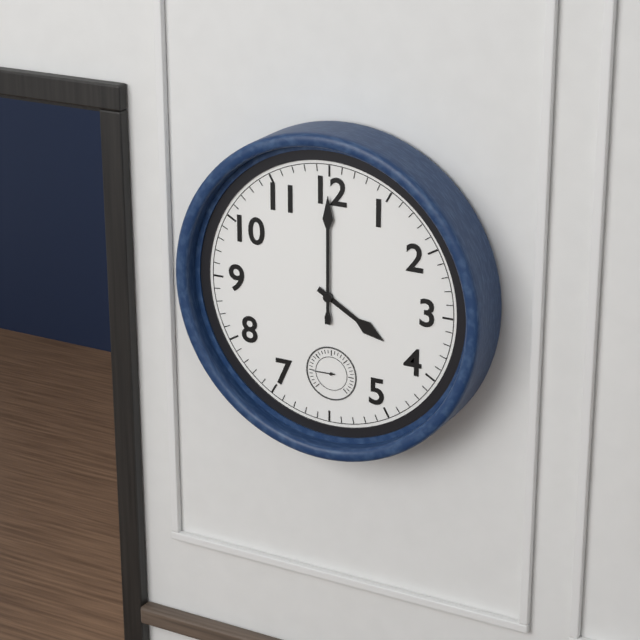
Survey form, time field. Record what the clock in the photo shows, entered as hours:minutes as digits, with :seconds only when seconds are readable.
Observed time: 4:00
